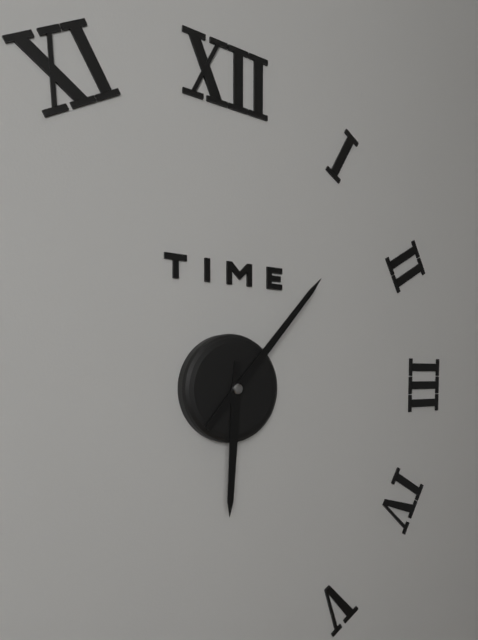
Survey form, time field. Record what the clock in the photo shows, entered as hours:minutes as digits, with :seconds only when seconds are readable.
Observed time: 6:07
